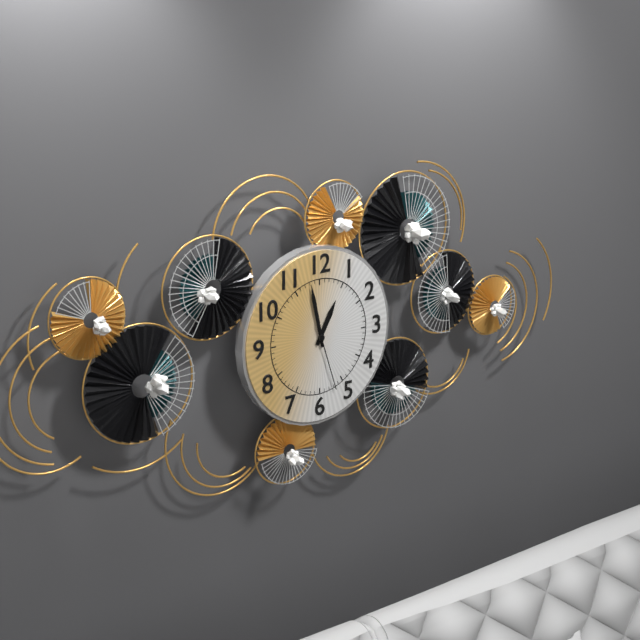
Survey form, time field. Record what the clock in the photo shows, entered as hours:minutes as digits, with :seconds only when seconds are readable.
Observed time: 12:58:27
